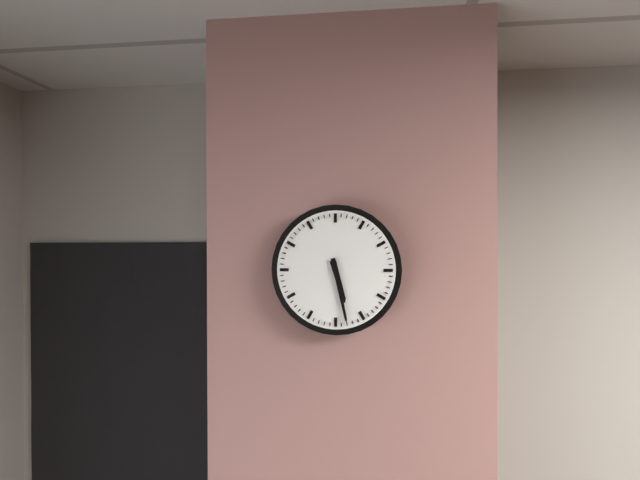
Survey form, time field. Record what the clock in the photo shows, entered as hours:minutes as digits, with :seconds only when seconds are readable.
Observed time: 5:28
